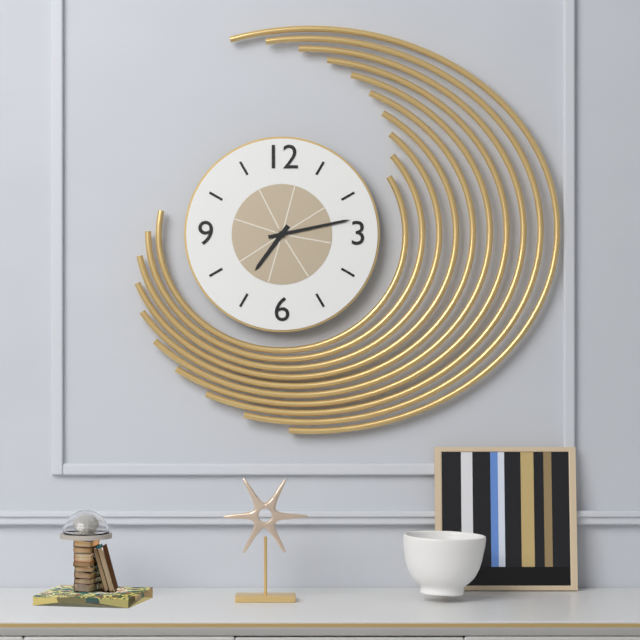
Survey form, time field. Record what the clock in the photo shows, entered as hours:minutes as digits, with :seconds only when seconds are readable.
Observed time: 7:13
